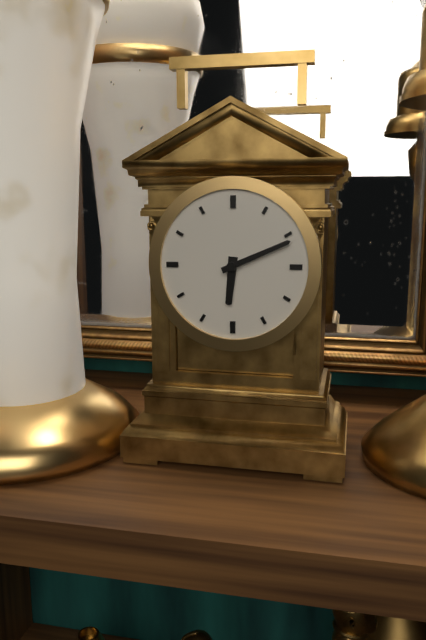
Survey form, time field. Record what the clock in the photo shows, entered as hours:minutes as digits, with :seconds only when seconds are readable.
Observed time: 6:11
